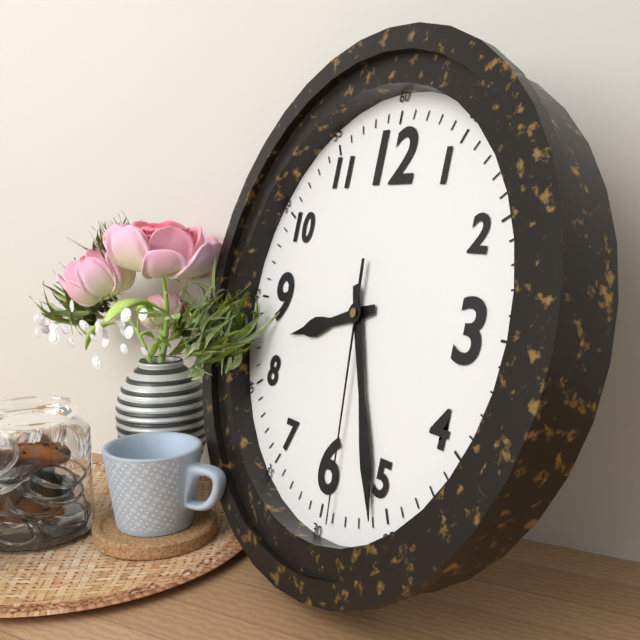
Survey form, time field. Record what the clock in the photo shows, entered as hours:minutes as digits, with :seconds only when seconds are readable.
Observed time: 8:26:29
